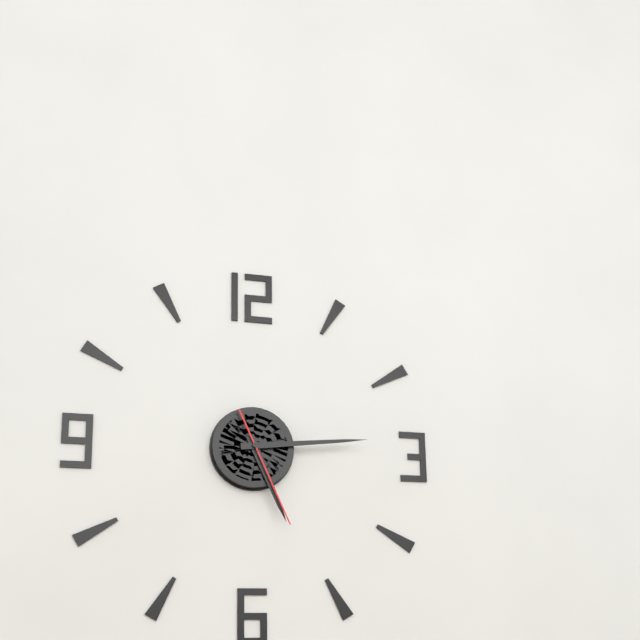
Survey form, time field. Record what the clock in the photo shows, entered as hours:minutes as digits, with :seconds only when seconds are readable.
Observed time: 5:14:26
